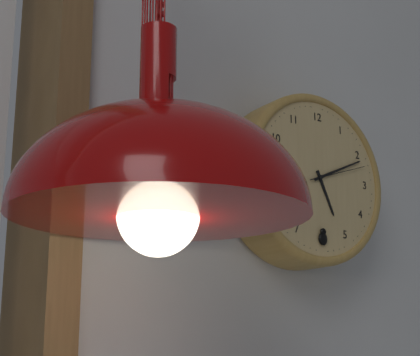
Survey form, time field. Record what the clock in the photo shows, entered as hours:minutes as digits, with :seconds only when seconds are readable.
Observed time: 5:11:12
